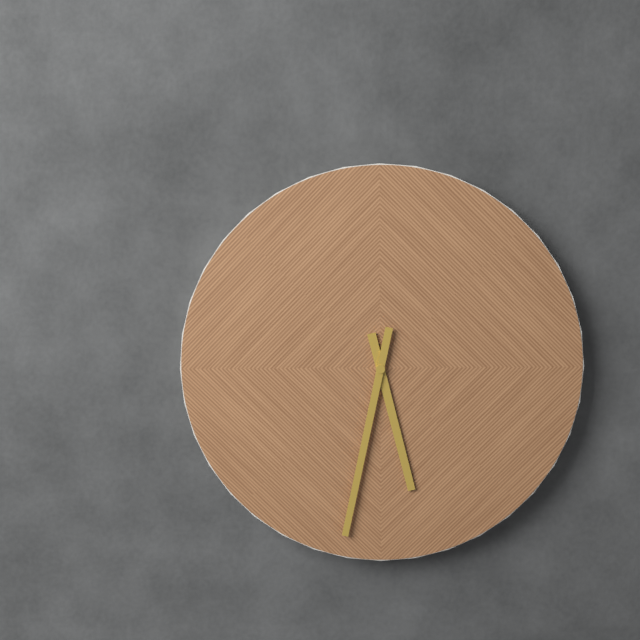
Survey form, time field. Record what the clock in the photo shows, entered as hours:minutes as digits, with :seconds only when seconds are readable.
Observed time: 5:32
